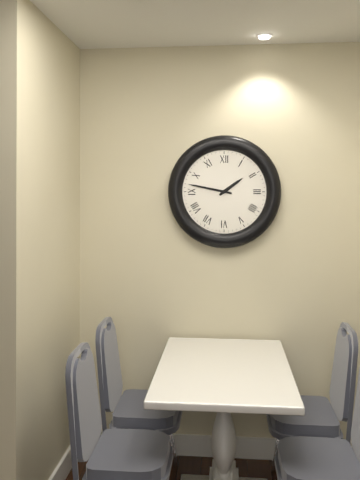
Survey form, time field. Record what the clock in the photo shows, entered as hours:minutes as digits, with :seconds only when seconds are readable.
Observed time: 1:47
